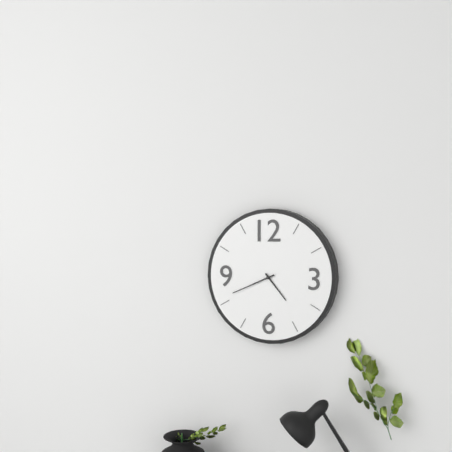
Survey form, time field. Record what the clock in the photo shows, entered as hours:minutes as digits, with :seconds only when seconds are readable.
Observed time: 4:41
